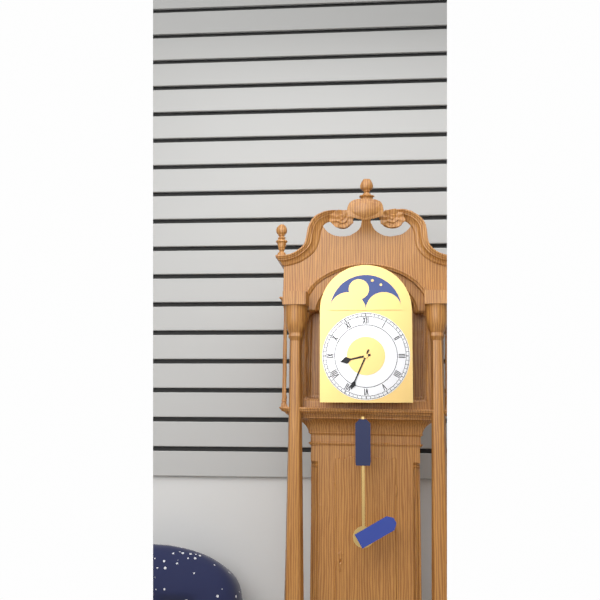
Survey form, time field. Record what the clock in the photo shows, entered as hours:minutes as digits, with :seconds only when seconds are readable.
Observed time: 8:34
